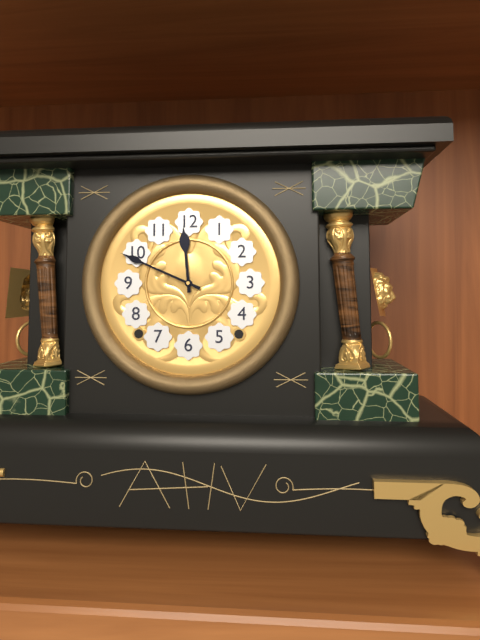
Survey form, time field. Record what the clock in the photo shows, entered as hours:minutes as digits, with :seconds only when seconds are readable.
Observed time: 11:49
